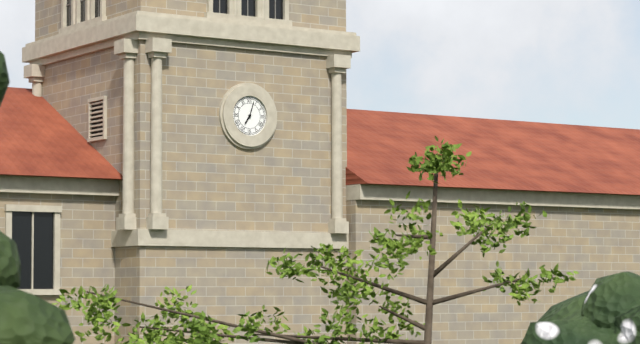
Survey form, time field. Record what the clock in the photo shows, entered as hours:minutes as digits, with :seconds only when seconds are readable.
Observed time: 7:03
